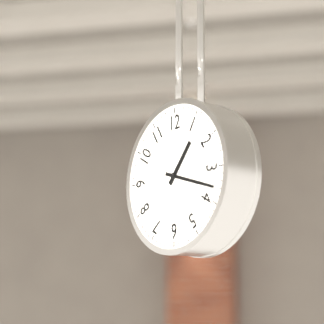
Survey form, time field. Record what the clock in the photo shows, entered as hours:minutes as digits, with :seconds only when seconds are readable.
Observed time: 1:18
